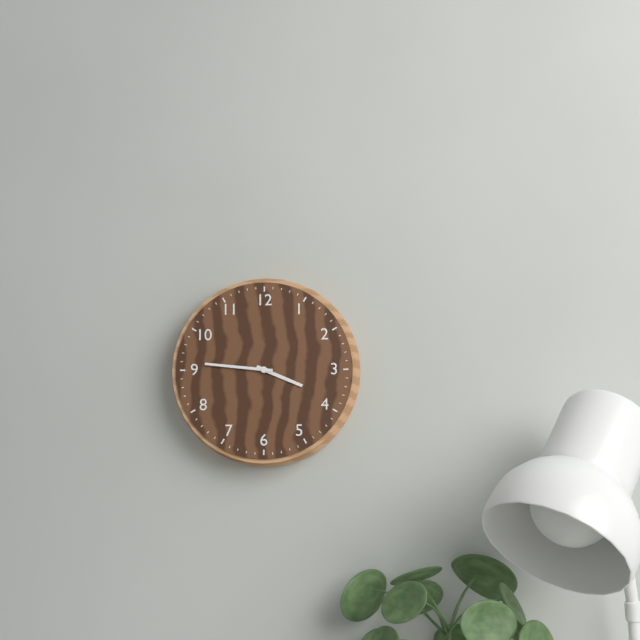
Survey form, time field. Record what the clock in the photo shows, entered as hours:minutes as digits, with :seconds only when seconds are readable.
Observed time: 3:46
